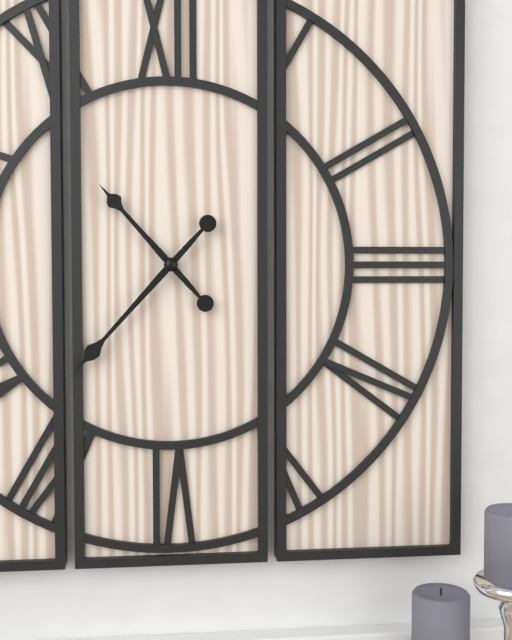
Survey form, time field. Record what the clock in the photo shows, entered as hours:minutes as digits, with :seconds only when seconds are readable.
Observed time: 10:37
